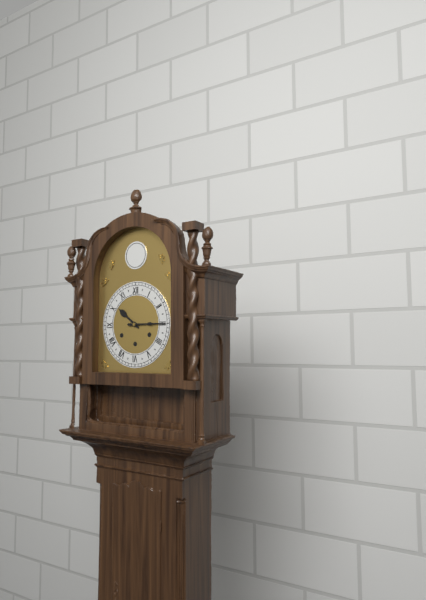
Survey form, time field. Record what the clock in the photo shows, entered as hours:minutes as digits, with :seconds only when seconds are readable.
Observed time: 10:15
